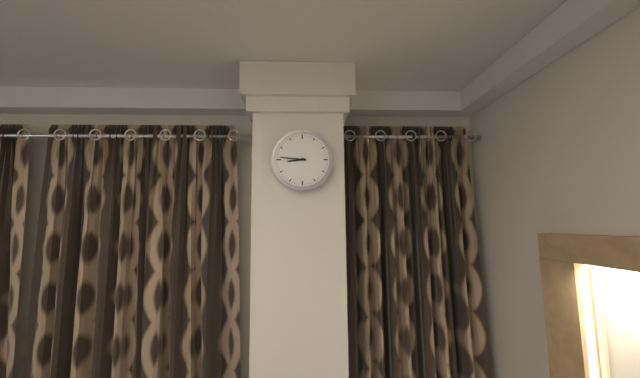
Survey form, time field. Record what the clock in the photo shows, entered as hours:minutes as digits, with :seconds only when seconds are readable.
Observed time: 8:46
